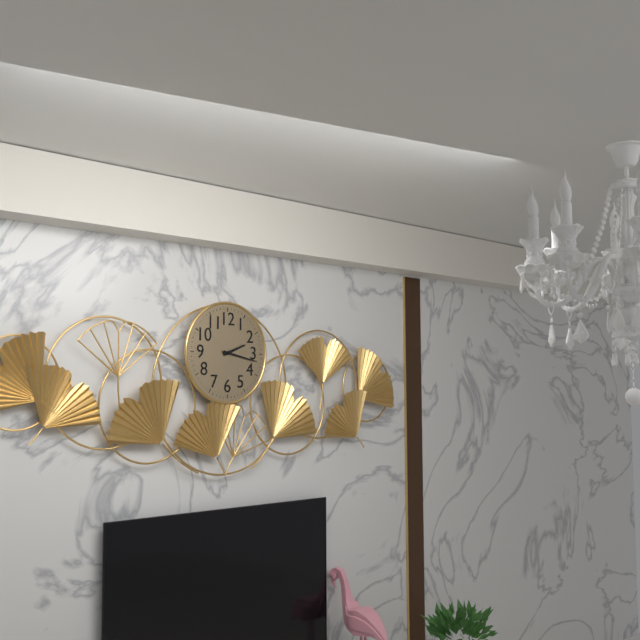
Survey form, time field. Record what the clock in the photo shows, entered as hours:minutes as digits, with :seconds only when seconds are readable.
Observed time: 2:17
